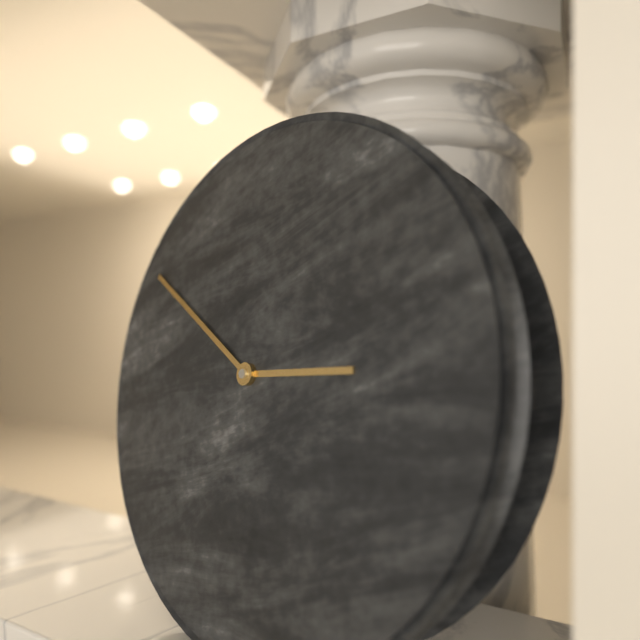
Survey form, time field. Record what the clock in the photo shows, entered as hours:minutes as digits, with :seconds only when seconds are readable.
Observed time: 2:50
